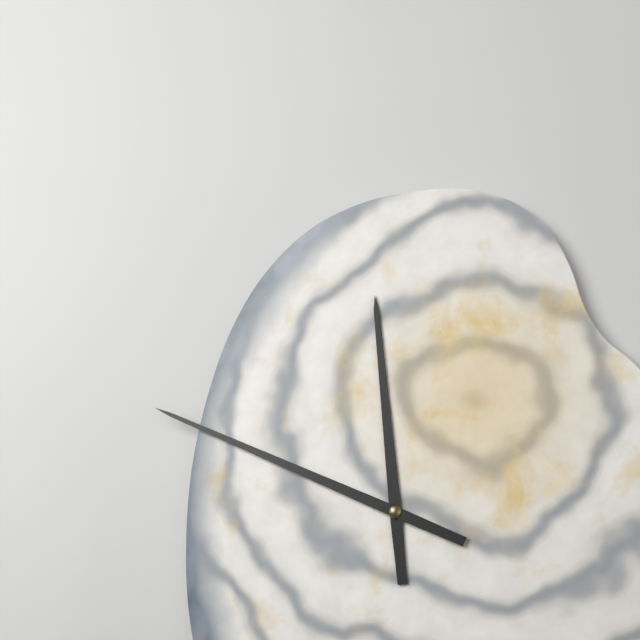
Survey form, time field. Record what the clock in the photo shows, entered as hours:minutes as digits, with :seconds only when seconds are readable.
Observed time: 11:49
